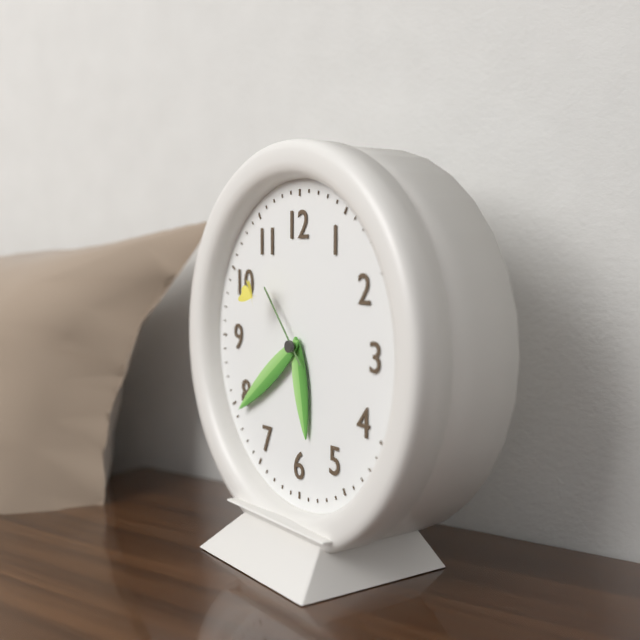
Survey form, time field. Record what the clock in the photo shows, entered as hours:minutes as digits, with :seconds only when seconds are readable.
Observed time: 5:39:53
